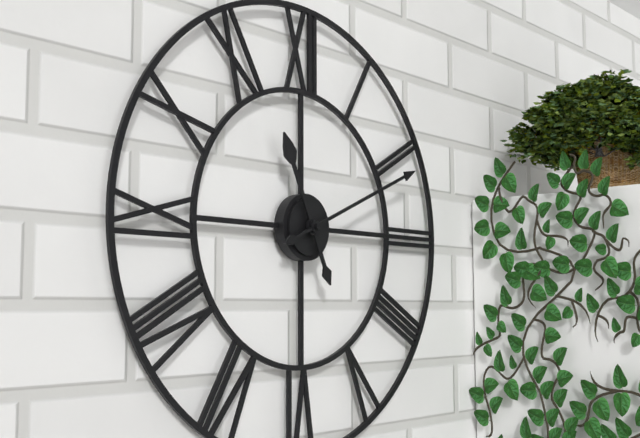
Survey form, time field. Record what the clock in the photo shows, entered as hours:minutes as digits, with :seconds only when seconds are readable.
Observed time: 11:11
